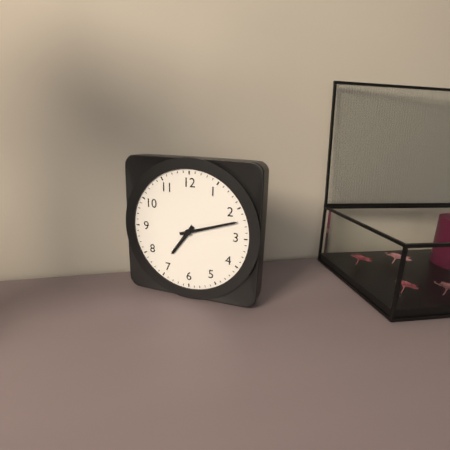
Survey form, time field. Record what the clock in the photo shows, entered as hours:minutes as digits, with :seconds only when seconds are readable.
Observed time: 7:12
